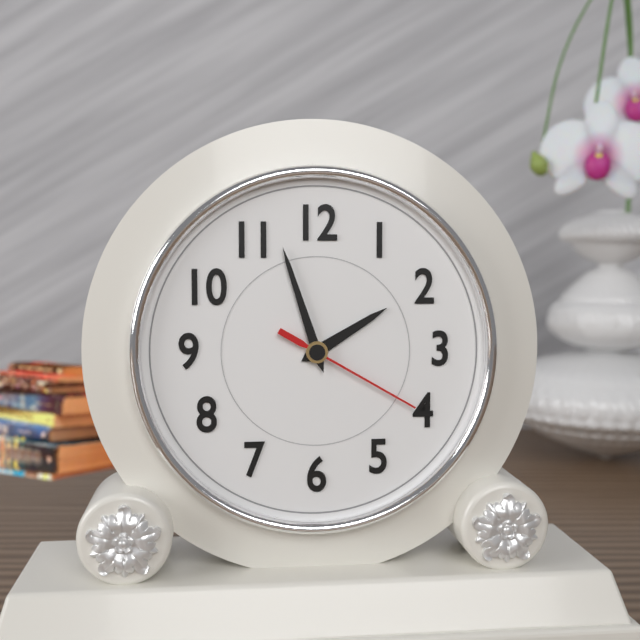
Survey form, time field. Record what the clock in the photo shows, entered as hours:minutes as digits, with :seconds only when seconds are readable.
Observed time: 1:57:20
